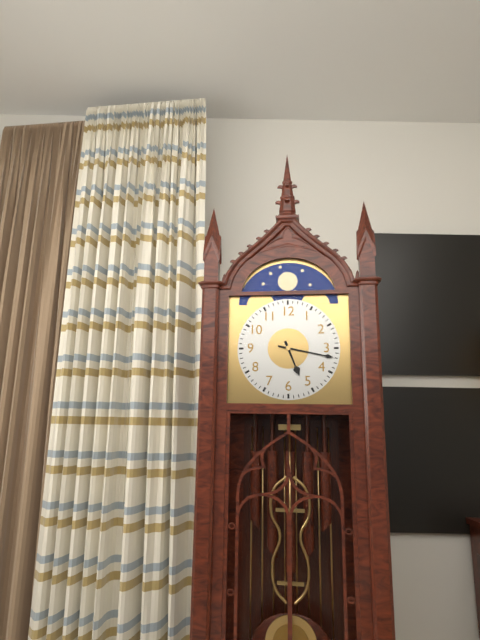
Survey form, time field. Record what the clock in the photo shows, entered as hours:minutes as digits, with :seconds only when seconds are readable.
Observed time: 5:17
